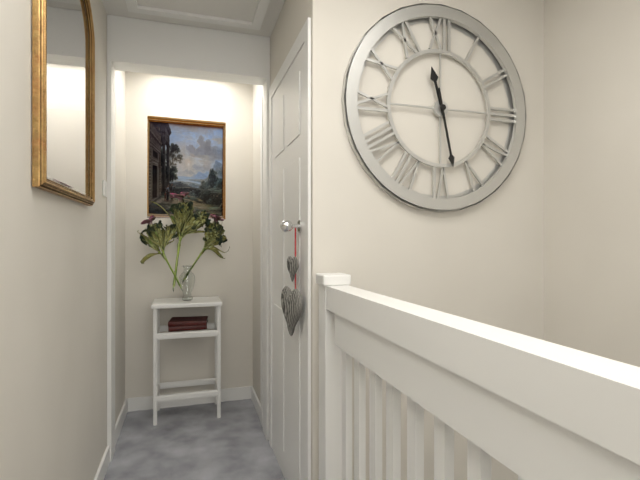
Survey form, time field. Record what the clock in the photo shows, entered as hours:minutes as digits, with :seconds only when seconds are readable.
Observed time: 11:28
